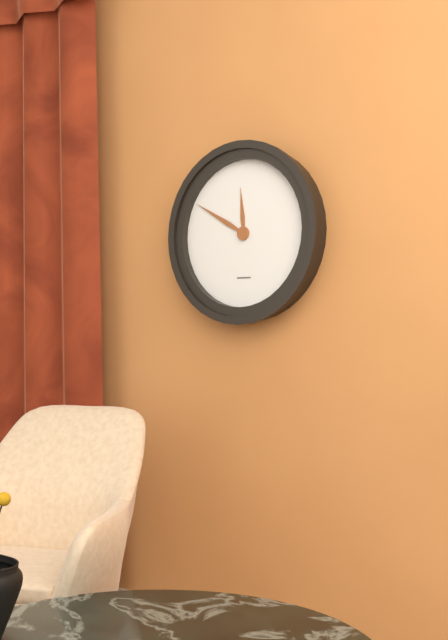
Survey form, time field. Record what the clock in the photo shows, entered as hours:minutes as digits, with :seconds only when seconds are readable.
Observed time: 11:50
